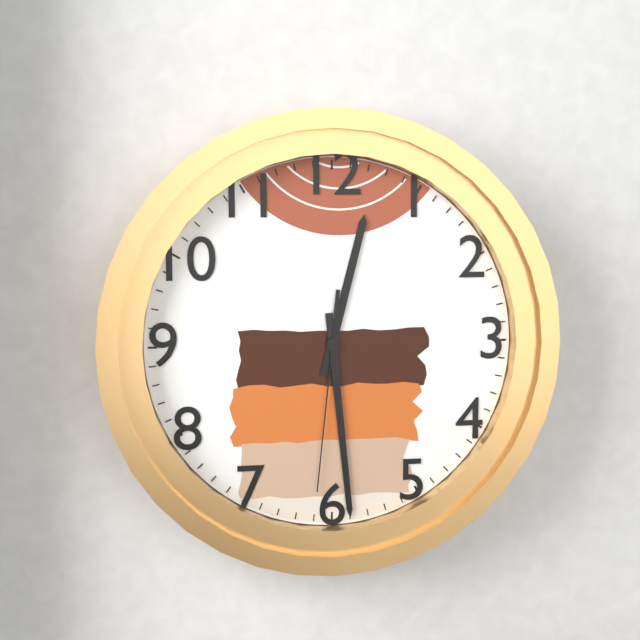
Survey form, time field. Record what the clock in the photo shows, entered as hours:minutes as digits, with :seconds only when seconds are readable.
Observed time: 12:29:31
